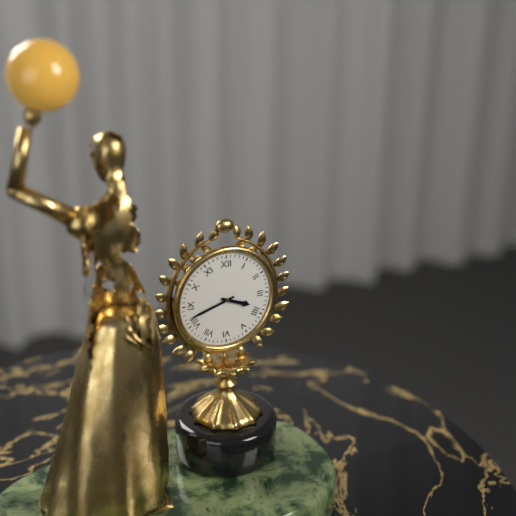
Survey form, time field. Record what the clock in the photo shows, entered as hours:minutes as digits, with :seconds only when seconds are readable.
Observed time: 3:42
